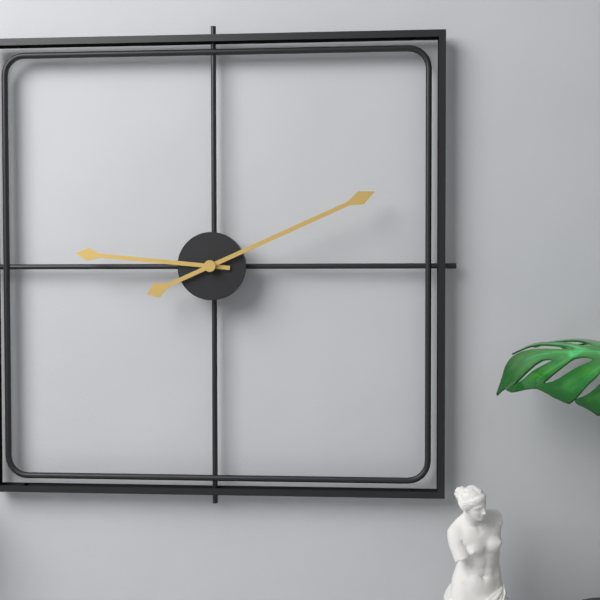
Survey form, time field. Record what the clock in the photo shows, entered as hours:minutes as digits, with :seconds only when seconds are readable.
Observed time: 9:11
